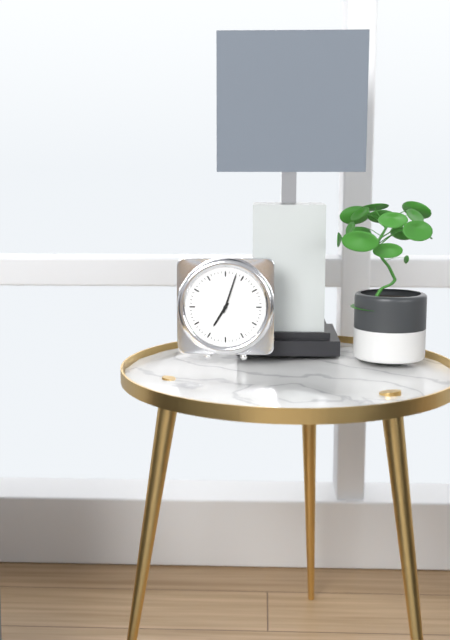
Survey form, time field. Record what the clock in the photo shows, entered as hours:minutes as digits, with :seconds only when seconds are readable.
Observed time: 7:03
